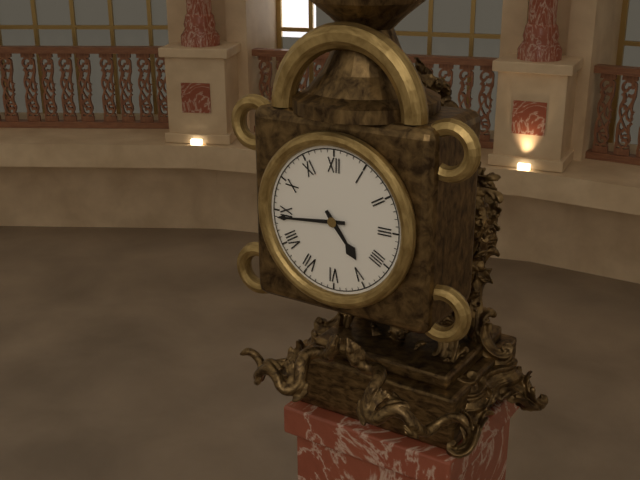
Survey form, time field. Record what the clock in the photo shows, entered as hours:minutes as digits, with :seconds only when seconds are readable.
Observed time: 4:44
